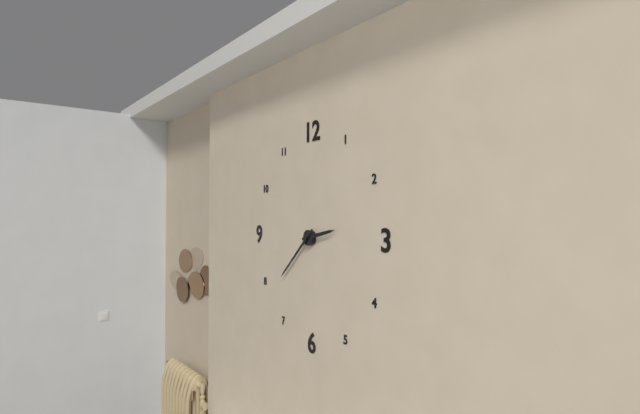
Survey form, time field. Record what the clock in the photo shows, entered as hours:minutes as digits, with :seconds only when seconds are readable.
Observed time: 2:38
